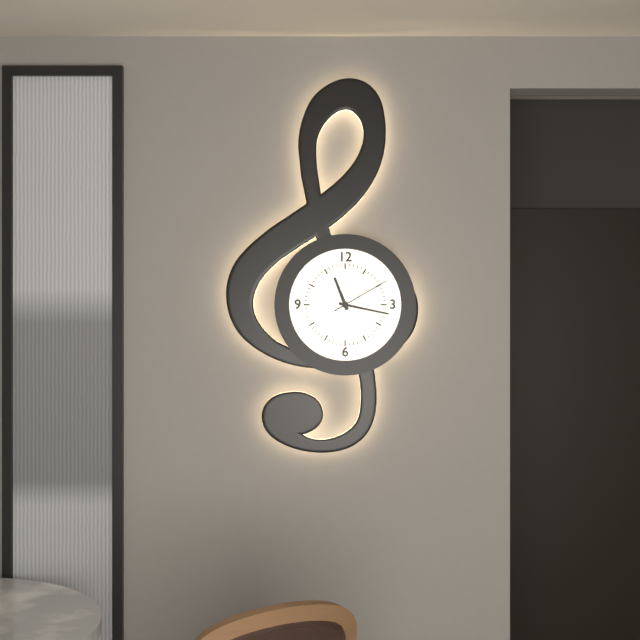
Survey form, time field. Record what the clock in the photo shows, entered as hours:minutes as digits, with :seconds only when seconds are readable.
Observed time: 11:17:10
